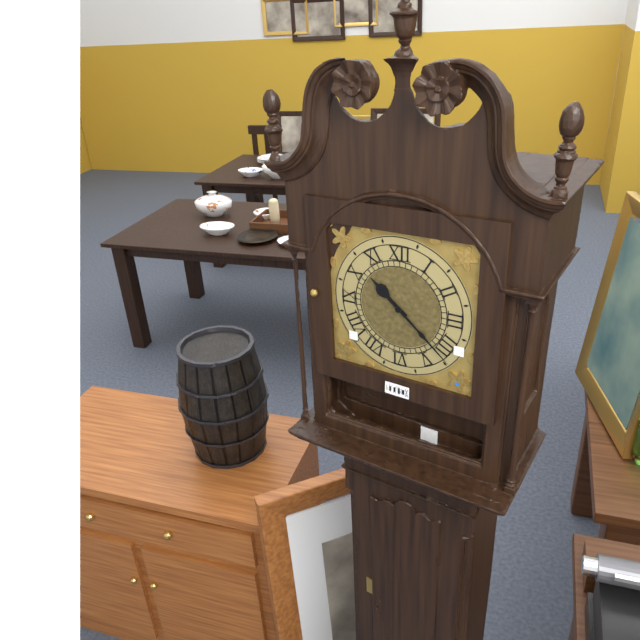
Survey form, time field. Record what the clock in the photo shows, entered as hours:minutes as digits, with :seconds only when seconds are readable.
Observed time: 10:22
